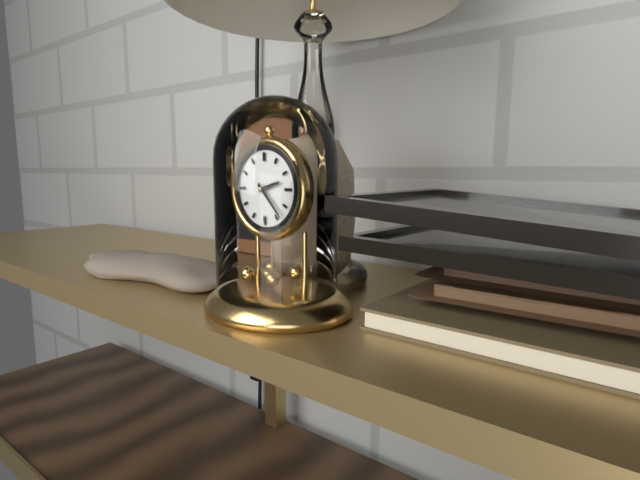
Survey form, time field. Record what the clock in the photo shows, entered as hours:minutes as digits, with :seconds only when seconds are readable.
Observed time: 2:23
